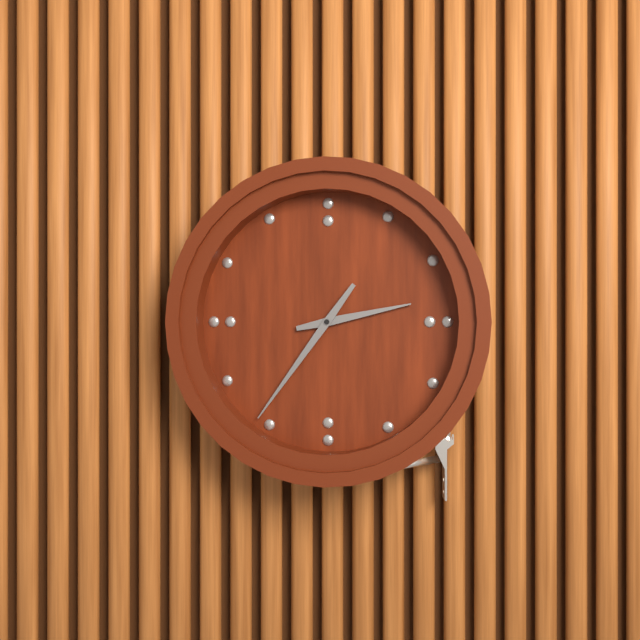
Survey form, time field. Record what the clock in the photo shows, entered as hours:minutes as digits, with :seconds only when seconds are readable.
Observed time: 2:36
